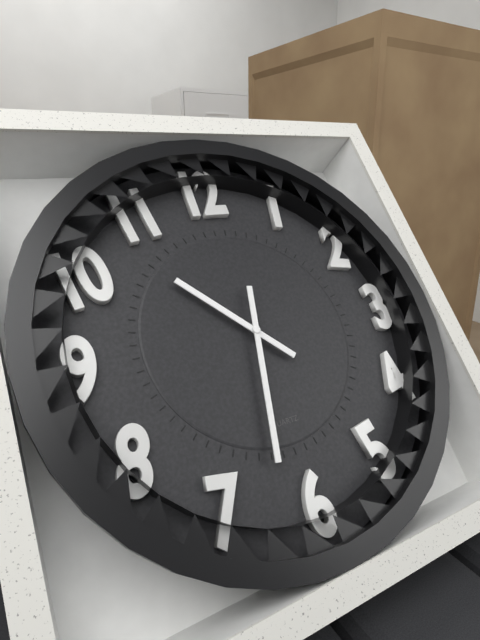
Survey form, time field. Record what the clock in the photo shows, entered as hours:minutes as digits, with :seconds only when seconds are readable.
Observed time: 10:32
